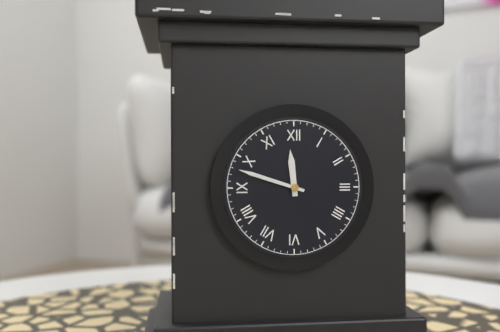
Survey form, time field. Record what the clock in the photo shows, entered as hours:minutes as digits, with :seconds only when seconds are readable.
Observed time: 11:48
